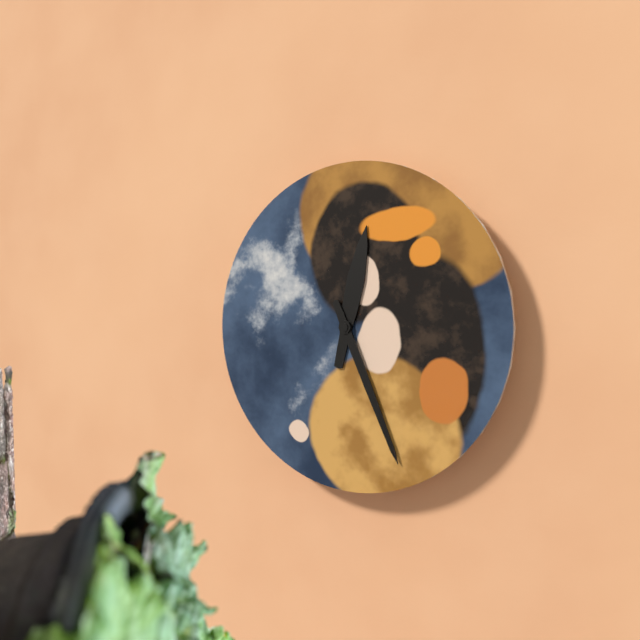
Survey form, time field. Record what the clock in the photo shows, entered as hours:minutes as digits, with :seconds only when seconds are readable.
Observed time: 12:26
